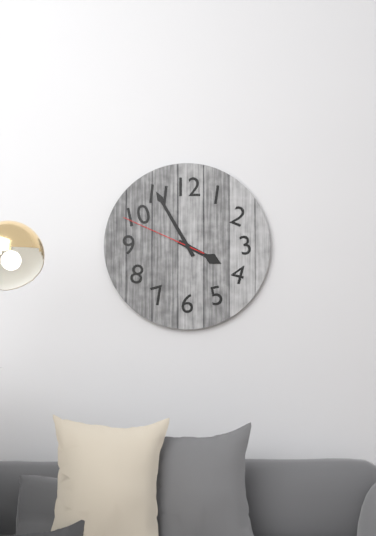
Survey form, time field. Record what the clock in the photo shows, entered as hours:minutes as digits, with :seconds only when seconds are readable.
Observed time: 3:55:49
